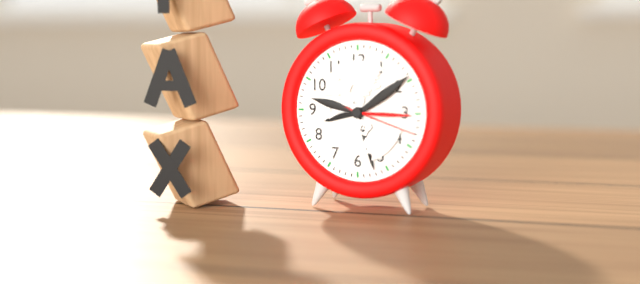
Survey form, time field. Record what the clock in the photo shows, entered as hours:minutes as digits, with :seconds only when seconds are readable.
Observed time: 8:27:18
